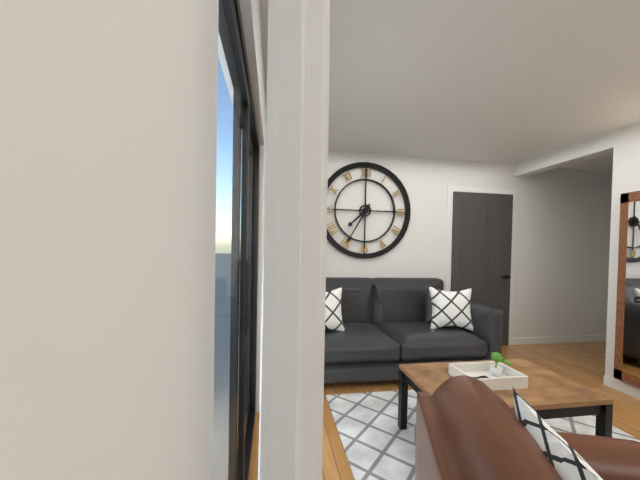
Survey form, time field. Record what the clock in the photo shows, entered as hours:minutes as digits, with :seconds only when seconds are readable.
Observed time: 7:35
